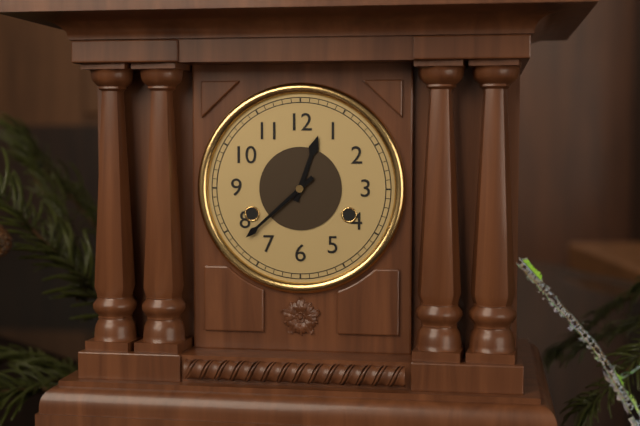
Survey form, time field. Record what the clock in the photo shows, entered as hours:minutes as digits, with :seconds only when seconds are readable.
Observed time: 12:38
